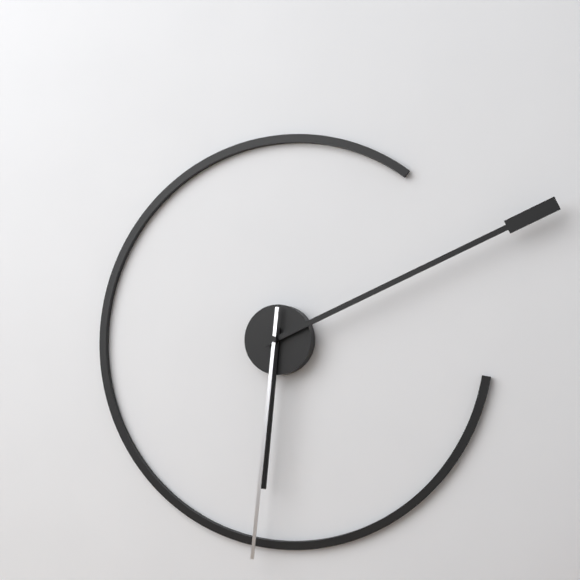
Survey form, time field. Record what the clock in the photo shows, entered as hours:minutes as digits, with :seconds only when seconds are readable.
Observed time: 6:11:31
